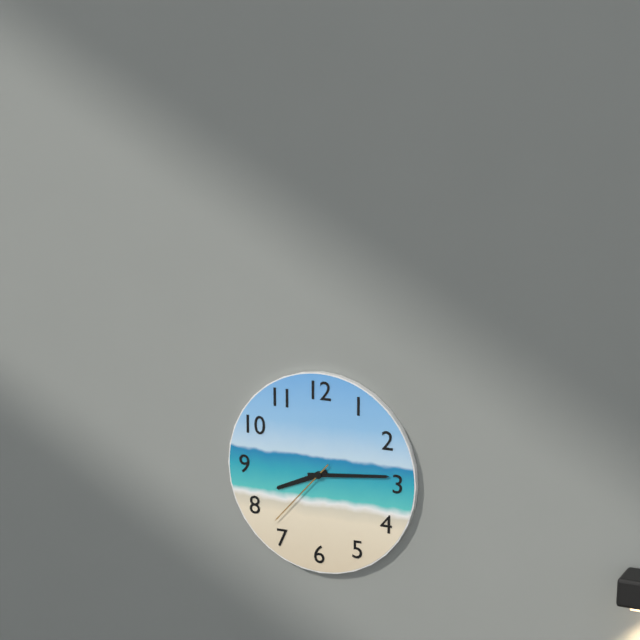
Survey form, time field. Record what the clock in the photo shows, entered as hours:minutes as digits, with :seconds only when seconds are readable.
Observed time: 8:14:37
